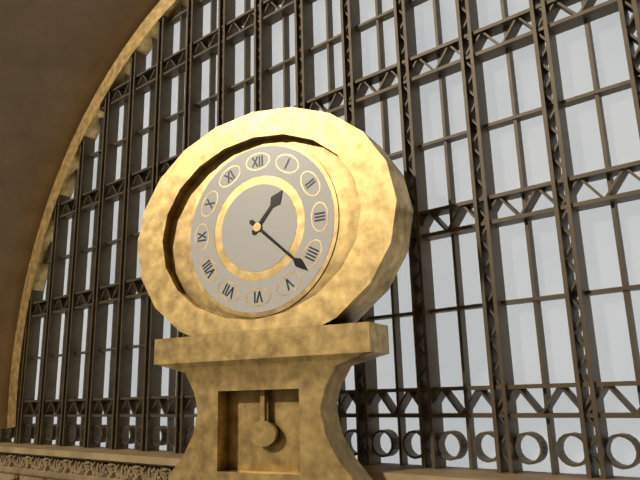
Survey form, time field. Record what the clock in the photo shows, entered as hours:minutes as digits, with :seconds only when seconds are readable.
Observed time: 1:22
